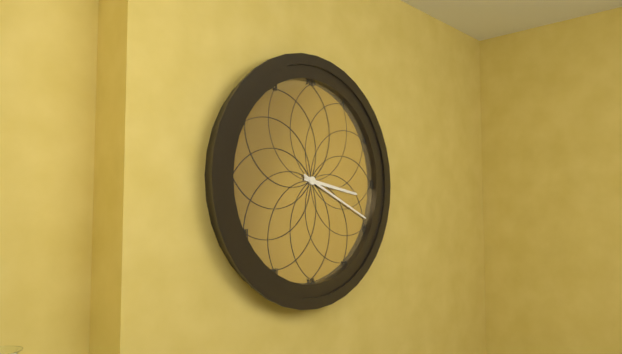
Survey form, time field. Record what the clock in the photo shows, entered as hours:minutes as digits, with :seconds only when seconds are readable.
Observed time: 3:19
